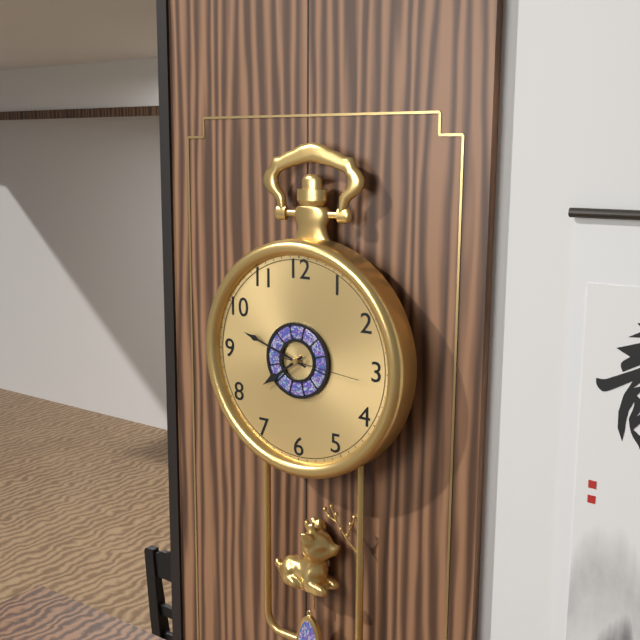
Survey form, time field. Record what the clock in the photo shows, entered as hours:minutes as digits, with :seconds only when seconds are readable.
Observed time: 7:48:16
